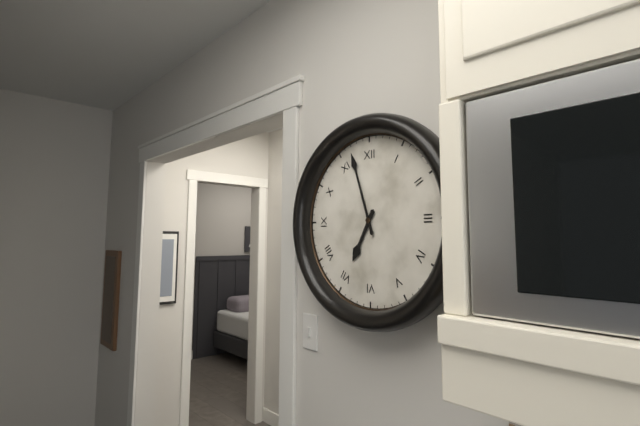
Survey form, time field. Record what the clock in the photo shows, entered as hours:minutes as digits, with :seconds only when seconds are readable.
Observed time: 6:57
